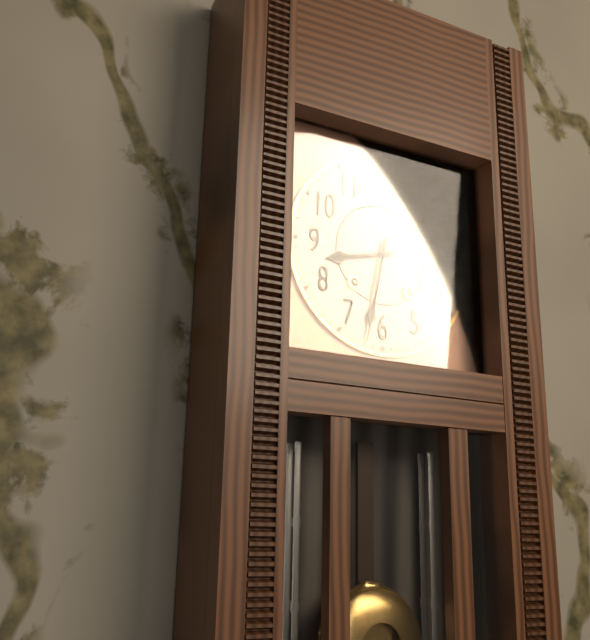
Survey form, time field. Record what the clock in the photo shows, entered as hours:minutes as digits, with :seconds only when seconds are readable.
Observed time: 8:32
